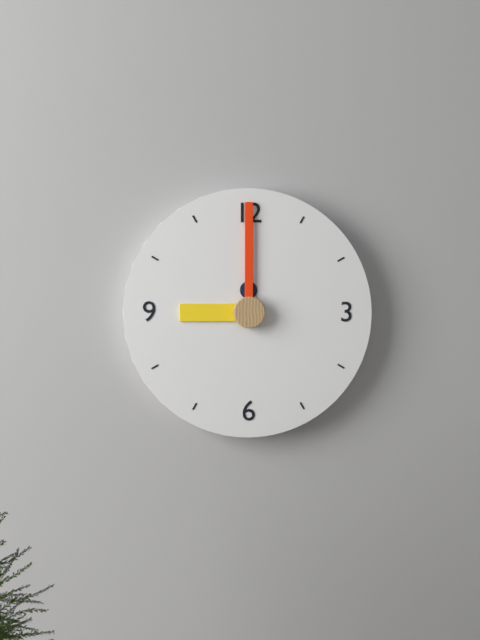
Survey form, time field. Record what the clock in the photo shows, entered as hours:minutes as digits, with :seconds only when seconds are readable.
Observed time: 9:00
